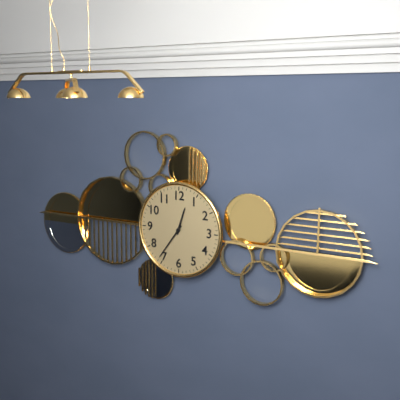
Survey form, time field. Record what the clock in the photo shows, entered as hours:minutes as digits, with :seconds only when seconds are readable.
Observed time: 12:36
